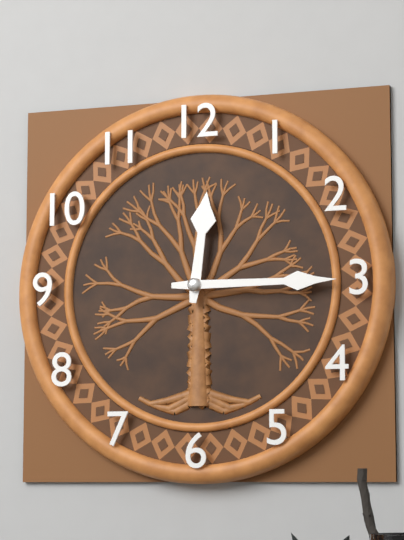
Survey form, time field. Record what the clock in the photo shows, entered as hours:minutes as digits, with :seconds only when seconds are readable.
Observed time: 12:15
